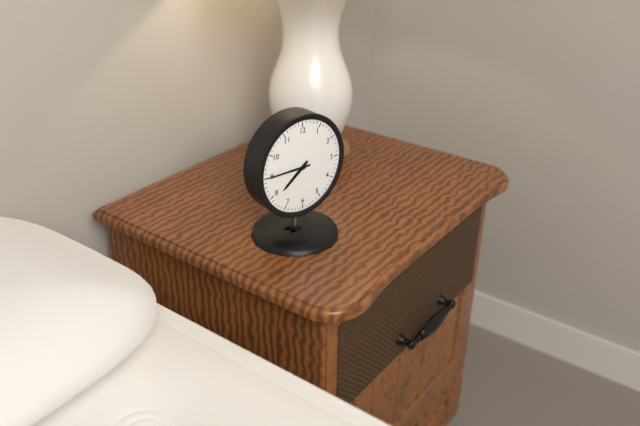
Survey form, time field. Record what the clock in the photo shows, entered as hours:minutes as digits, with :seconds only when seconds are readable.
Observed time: 7:45
